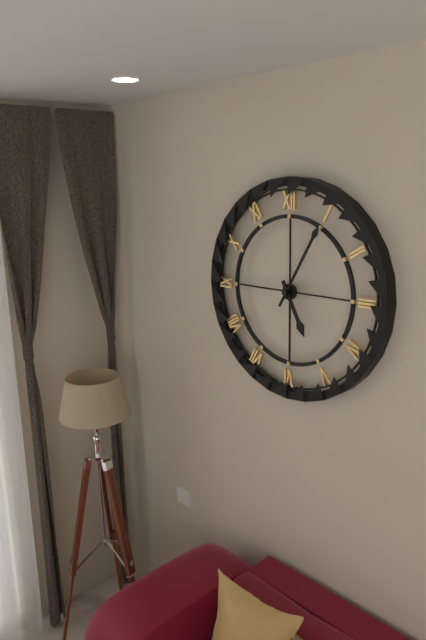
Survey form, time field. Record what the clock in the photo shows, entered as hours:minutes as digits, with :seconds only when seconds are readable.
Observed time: 5:05
